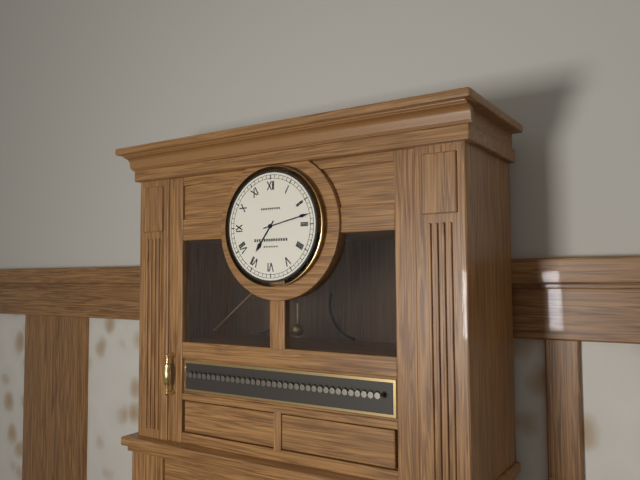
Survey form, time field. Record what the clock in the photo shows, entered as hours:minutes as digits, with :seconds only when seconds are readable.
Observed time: 7:13
